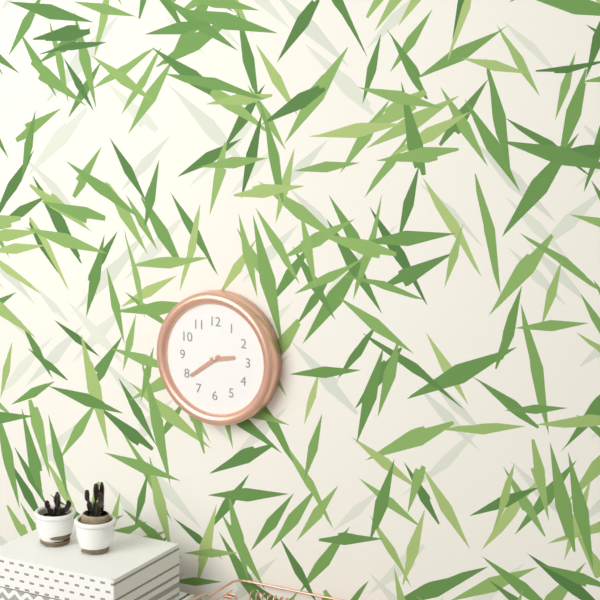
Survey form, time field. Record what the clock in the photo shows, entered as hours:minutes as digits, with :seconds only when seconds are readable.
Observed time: 2:39
